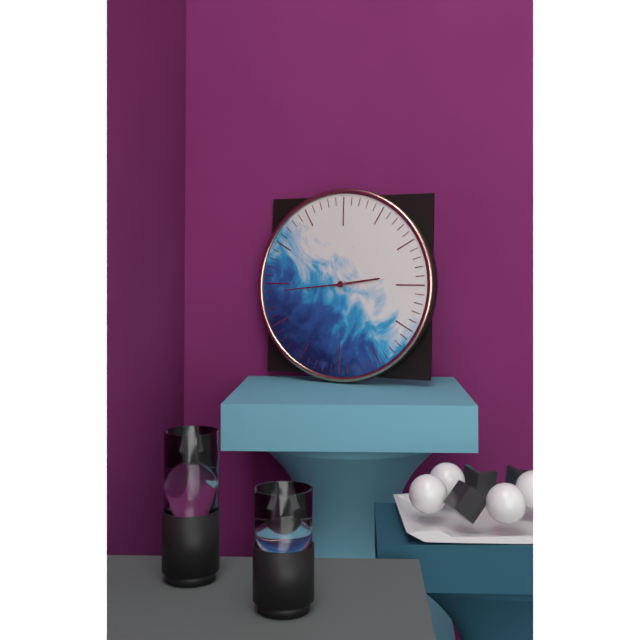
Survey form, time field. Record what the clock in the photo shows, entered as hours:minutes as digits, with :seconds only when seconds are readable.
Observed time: 2:44
